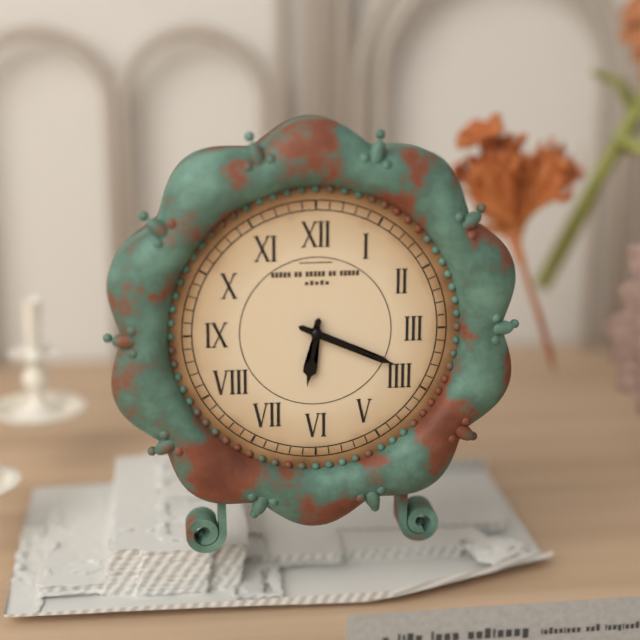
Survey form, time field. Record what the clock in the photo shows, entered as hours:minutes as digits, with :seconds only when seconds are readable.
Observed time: 6:19
